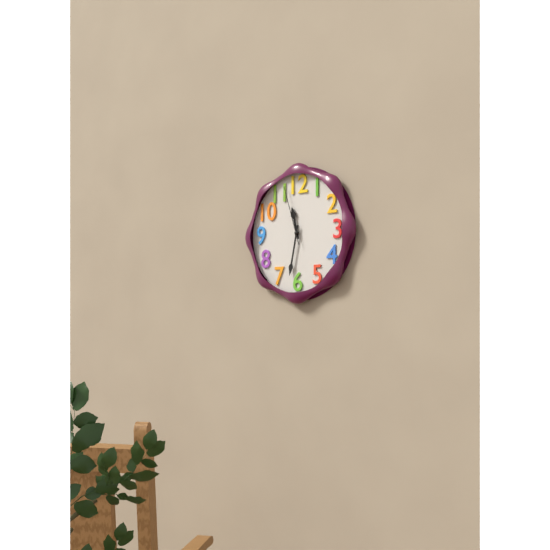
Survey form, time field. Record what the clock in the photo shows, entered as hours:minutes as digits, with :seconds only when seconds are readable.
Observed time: 11:32:57
